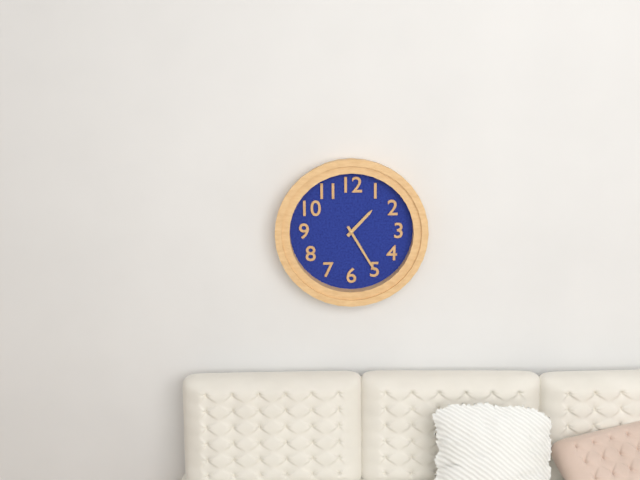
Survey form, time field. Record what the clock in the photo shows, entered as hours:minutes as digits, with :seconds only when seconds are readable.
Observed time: 1:25
